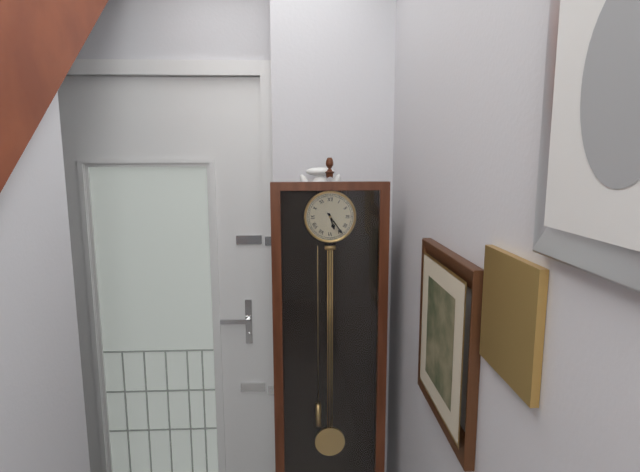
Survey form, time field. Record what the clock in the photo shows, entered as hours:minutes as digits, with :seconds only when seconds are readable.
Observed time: 5:24
